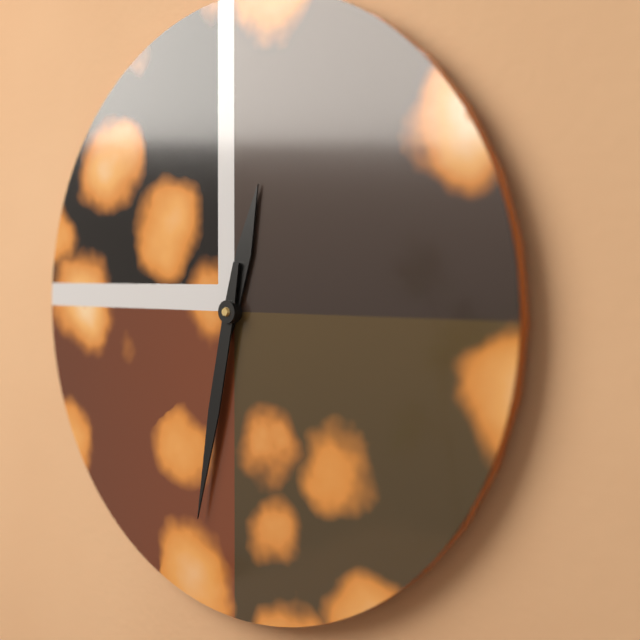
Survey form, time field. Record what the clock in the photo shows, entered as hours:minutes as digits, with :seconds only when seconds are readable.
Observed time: 12:32
